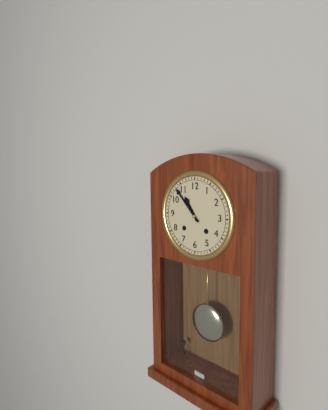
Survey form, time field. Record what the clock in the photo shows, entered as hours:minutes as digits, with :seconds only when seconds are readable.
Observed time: 10:53
